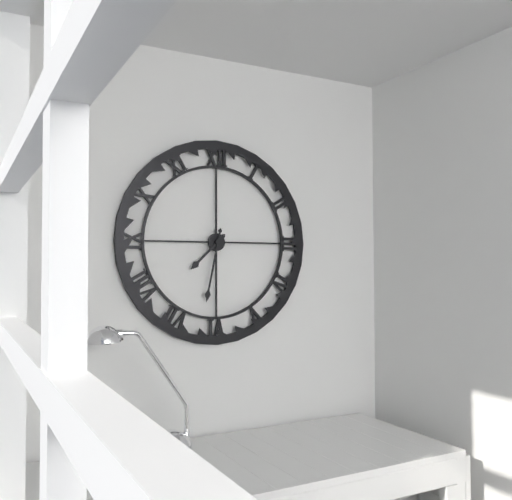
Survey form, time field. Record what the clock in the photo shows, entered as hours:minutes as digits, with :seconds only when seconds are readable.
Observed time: 7:32
